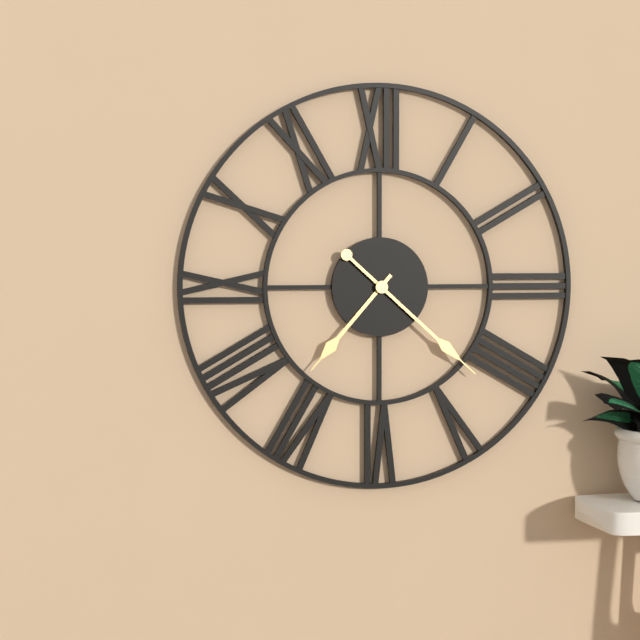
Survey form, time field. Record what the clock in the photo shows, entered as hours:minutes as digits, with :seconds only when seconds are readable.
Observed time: 7:22
